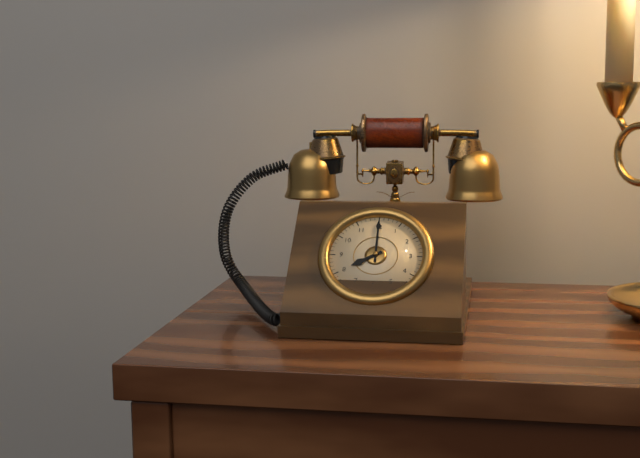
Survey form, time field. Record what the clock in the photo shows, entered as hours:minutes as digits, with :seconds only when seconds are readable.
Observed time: 8:00
